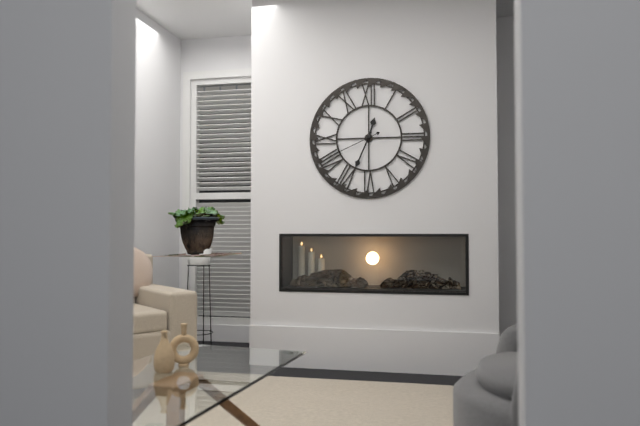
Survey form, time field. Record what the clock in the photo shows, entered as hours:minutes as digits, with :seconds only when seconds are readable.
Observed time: 12:34:41
